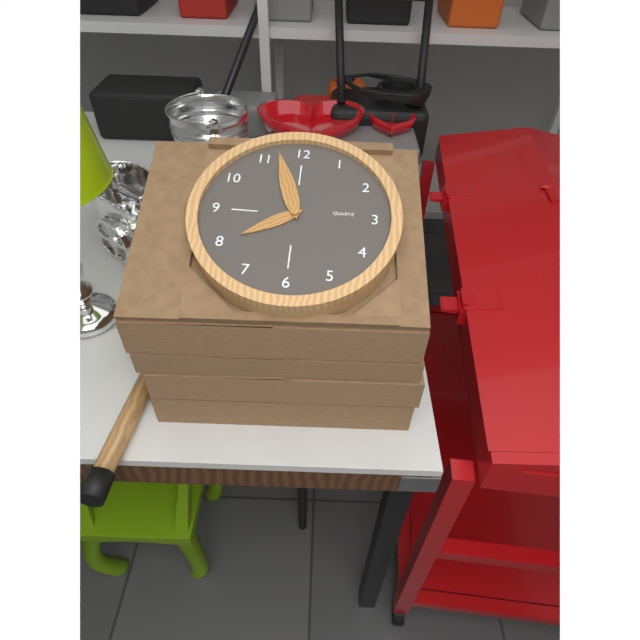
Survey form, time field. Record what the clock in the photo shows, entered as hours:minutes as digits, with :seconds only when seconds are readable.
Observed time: 7:57
